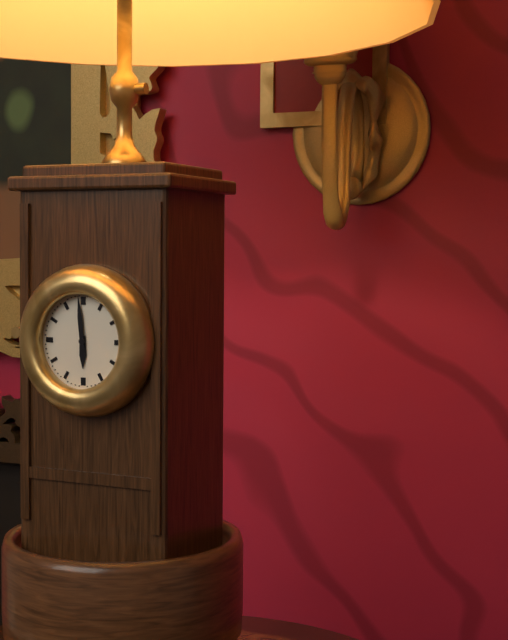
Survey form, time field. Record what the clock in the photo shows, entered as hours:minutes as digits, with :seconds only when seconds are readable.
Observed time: 5:59
